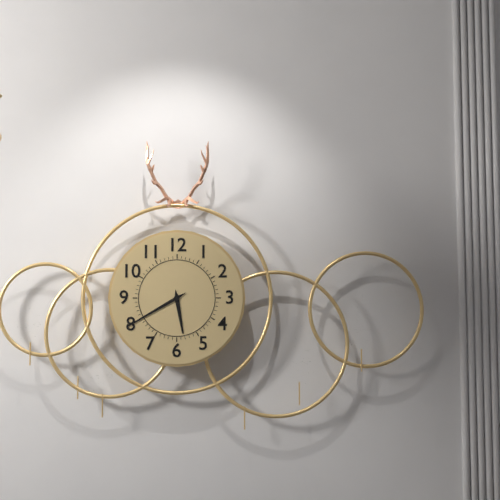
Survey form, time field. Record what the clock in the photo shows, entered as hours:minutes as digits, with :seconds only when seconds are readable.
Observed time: 5:40
